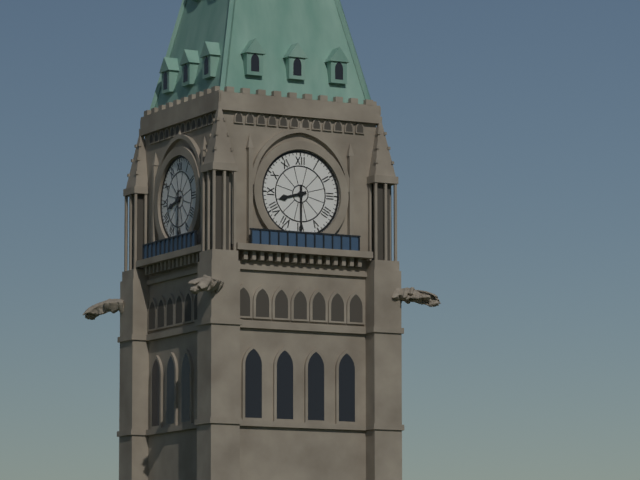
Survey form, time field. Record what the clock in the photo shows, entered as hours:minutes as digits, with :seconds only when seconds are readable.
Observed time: 8:30
